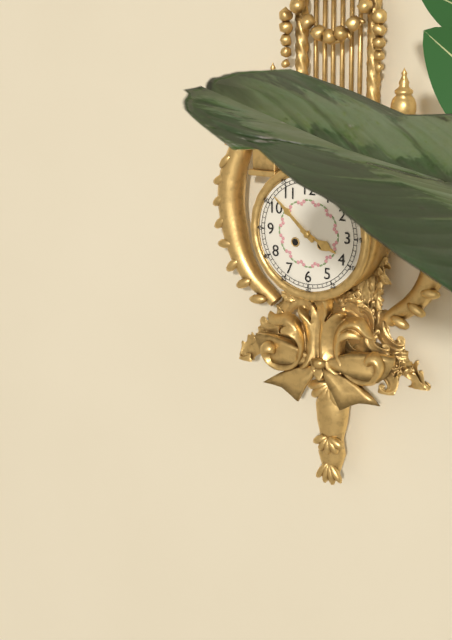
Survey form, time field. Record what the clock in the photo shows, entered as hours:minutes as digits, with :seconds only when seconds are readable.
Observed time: 3:52
